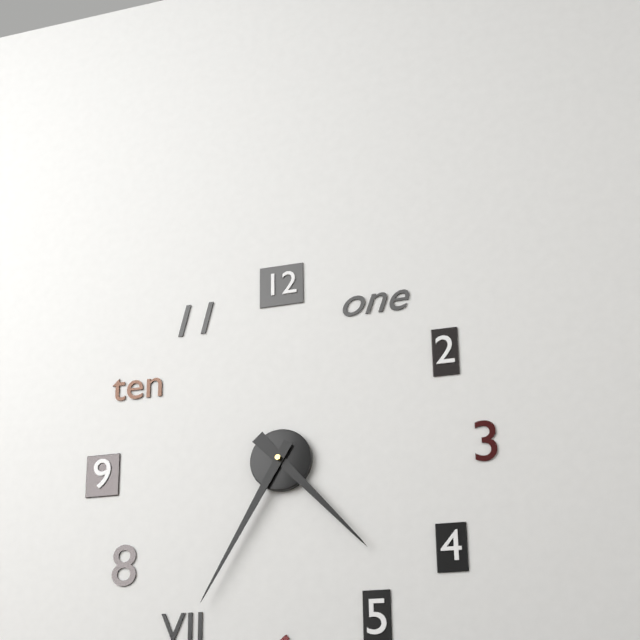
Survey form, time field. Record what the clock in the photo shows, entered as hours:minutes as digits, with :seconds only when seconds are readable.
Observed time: 4:35
